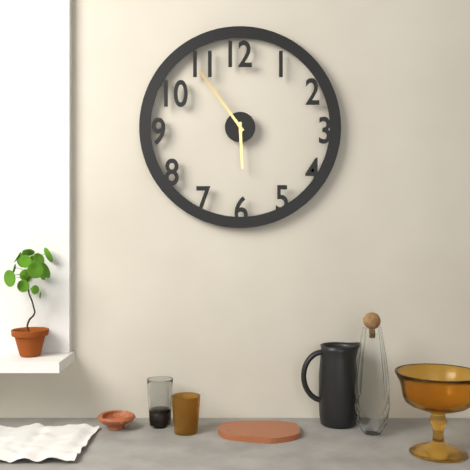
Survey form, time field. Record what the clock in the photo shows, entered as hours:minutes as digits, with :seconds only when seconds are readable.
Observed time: 5:54
